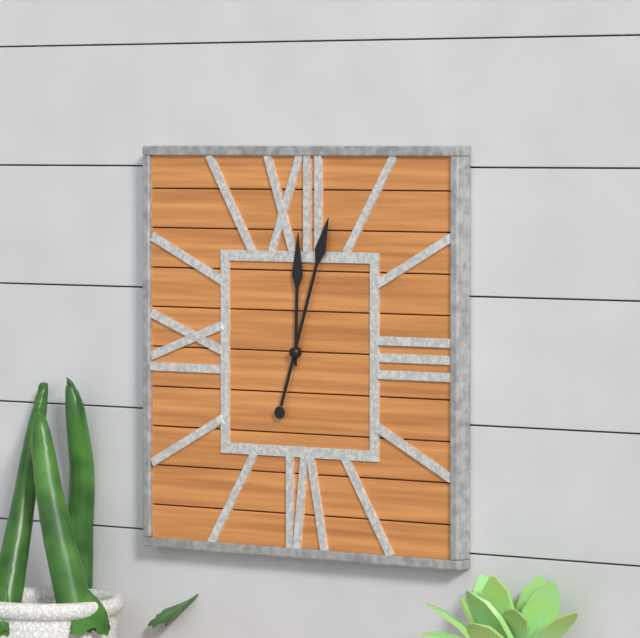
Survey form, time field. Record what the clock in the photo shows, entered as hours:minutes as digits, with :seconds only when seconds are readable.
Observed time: 12:03
